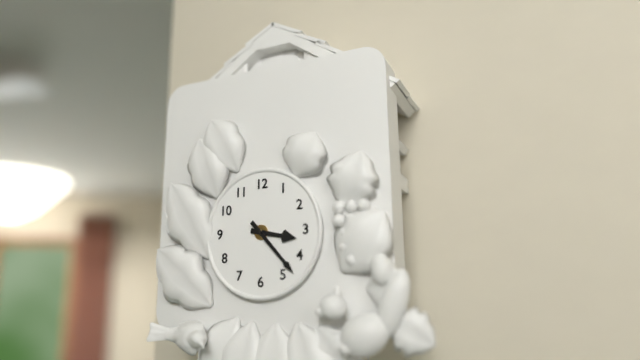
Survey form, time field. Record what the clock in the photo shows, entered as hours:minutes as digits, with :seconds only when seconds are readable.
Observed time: 3:23
